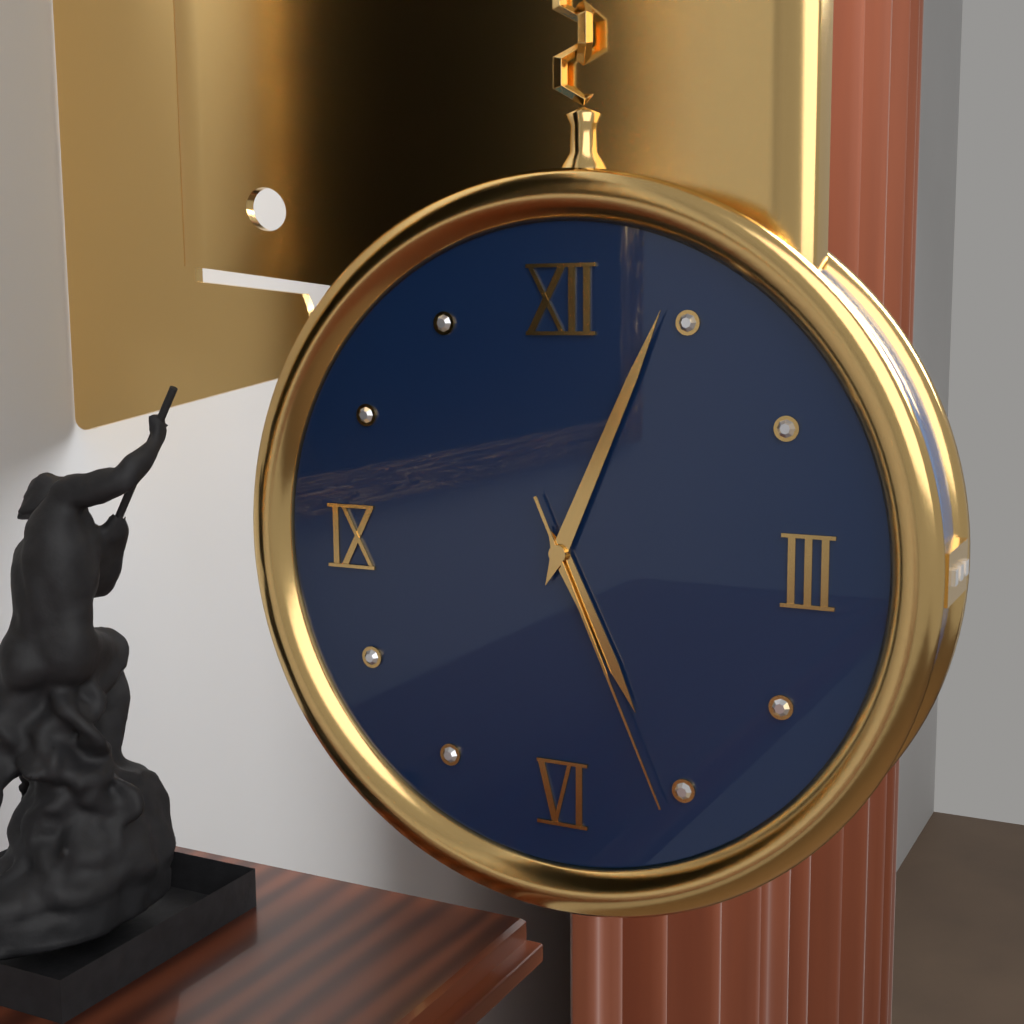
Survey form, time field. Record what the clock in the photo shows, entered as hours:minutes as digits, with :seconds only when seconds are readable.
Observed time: 5:04:26
